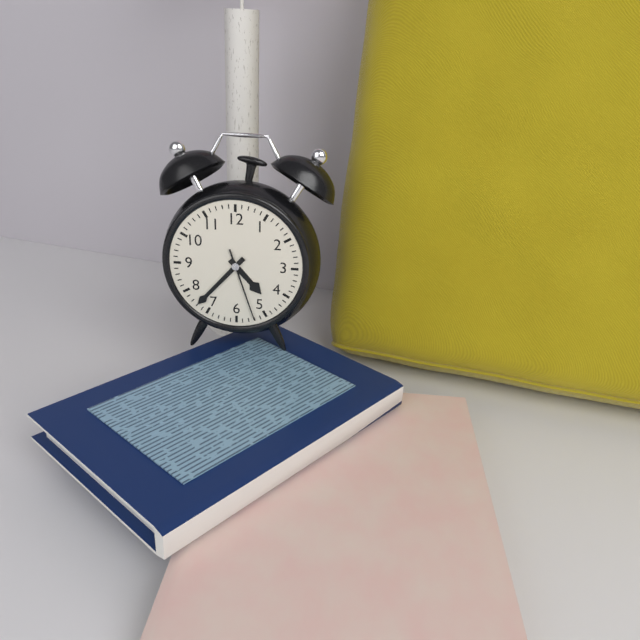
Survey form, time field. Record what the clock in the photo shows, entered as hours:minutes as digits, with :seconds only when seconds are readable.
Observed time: 4:37:27
